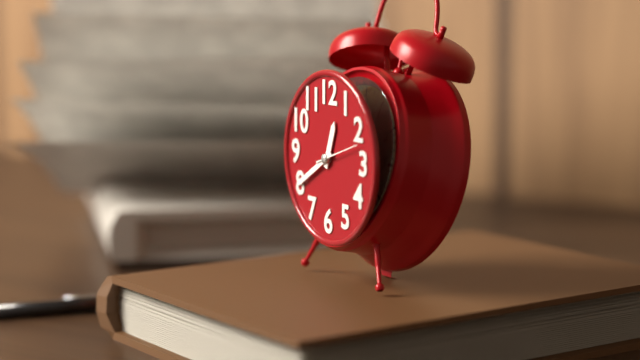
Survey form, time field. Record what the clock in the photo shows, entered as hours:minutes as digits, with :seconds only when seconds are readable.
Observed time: 12:40
